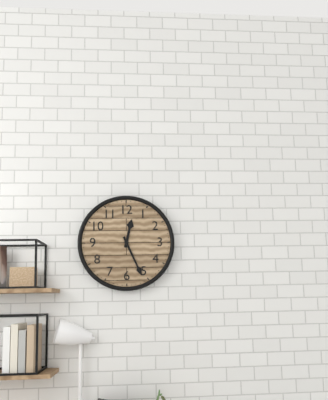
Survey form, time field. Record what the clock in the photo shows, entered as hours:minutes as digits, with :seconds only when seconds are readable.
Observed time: 12:26
